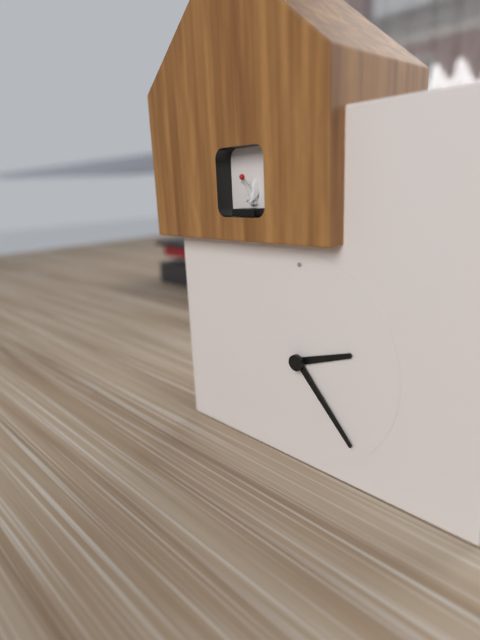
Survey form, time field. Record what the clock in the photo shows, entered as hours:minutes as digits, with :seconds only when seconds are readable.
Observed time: 2:23
